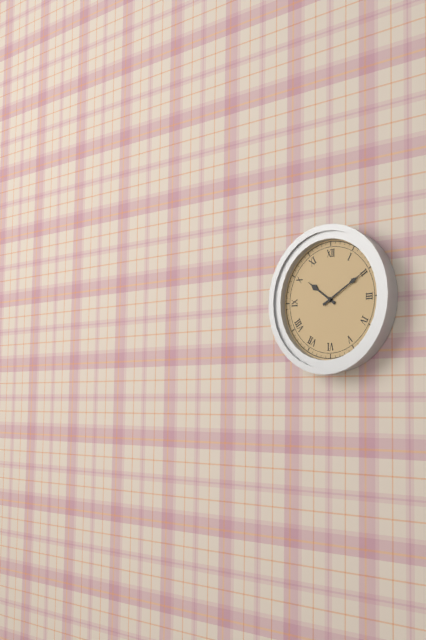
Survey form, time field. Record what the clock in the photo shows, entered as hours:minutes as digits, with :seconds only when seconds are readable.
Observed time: 10:10
